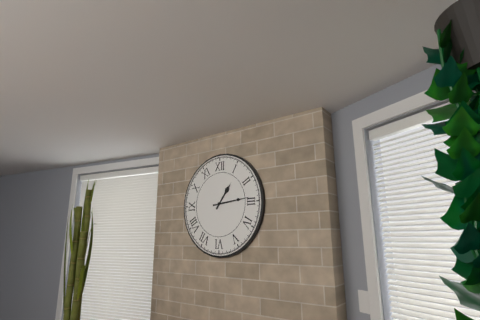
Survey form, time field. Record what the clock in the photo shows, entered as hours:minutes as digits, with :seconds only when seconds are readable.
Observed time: 1:14
